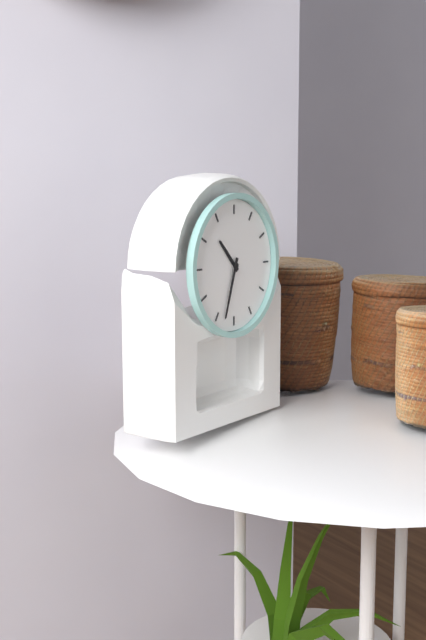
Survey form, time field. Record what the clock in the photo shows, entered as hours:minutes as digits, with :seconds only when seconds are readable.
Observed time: 10:33
